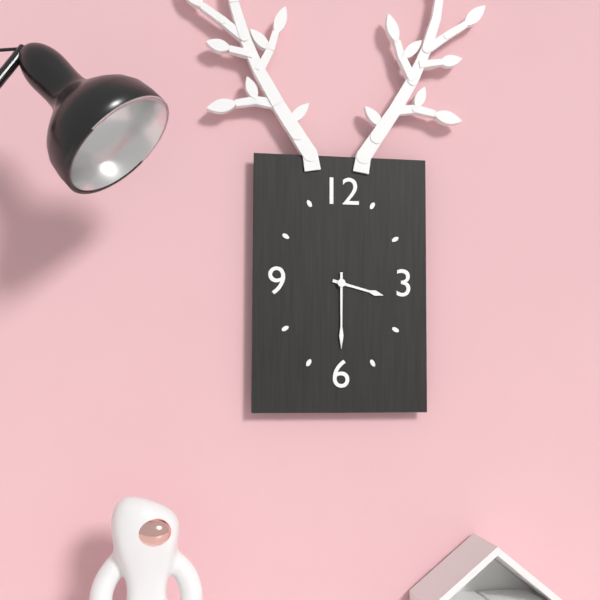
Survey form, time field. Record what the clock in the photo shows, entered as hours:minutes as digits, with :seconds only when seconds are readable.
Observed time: 3:30
